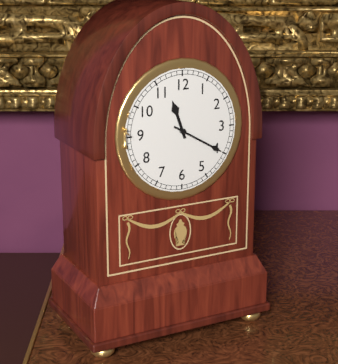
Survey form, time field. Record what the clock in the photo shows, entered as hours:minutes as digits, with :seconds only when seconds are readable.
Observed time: 11:20
